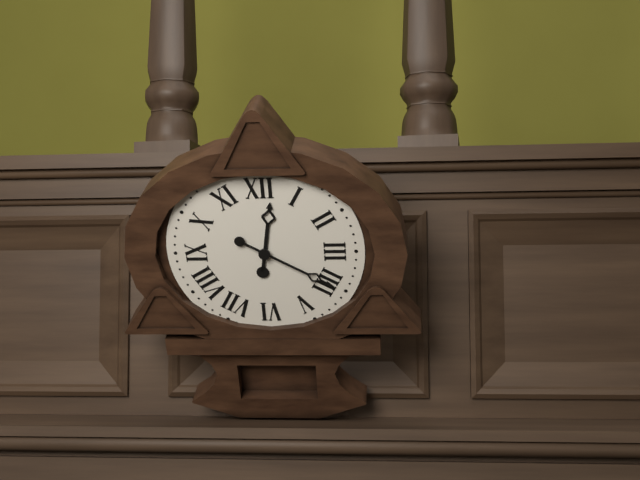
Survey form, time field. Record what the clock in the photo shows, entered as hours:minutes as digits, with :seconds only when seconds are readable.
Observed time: 12:20
